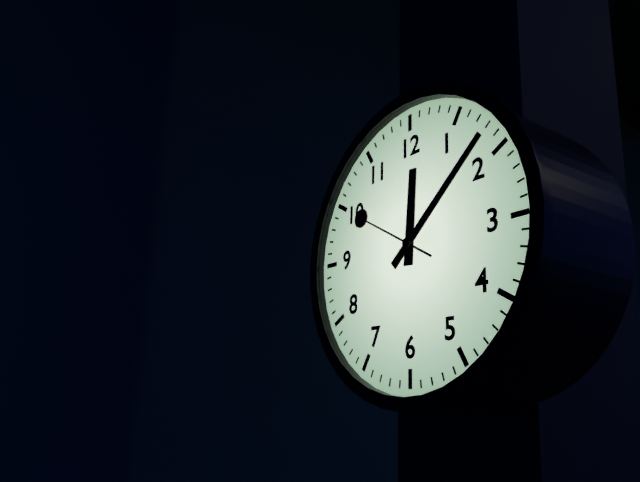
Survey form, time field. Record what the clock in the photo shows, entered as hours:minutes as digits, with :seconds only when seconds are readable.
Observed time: 12:08:50
